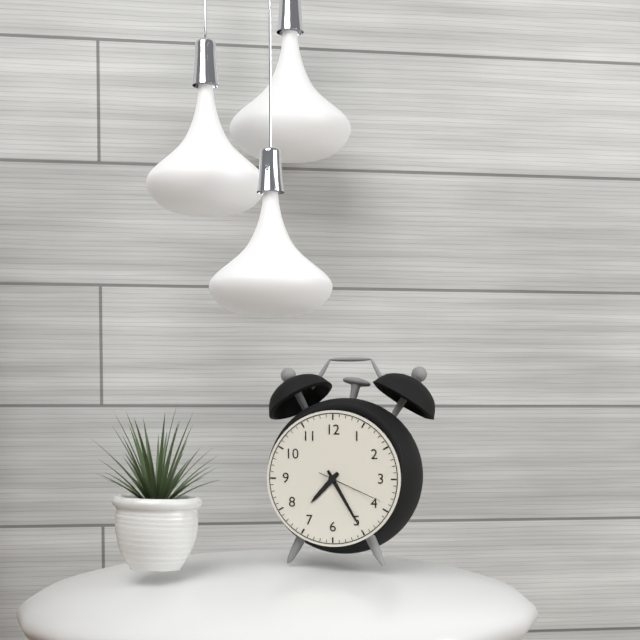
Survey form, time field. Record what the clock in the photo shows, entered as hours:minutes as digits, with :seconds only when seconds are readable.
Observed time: 7:25:19
